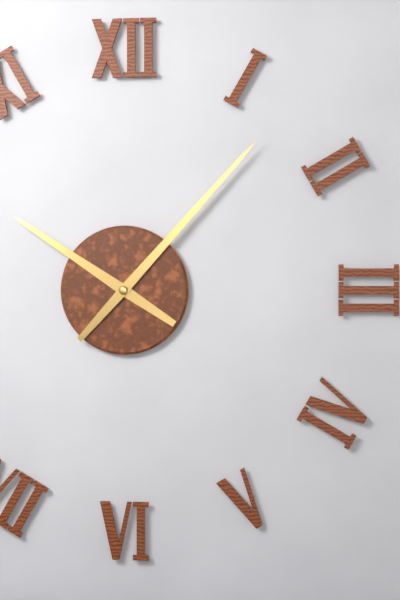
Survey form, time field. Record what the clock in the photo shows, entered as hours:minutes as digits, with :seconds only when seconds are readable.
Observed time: 10:07
